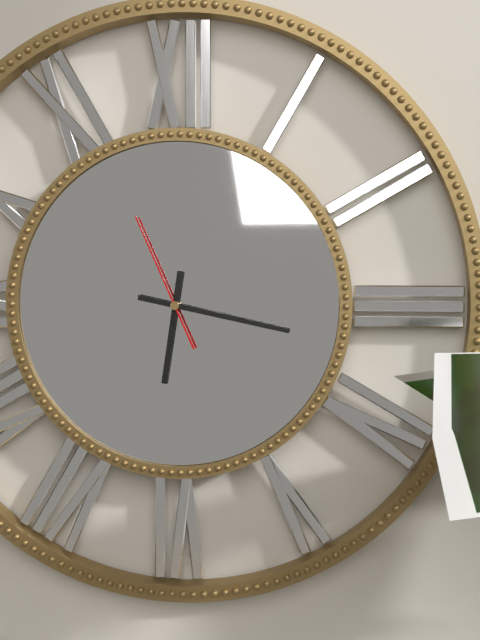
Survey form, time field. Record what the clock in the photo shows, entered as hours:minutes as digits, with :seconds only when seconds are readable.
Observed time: 6:17:56
